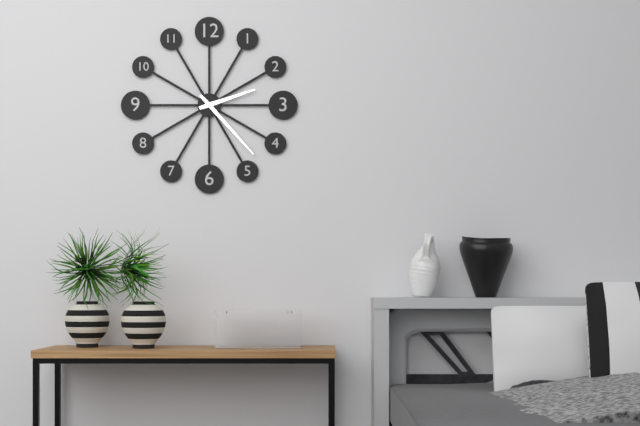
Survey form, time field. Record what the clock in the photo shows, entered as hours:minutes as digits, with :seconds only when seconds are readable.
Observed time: 2:23
